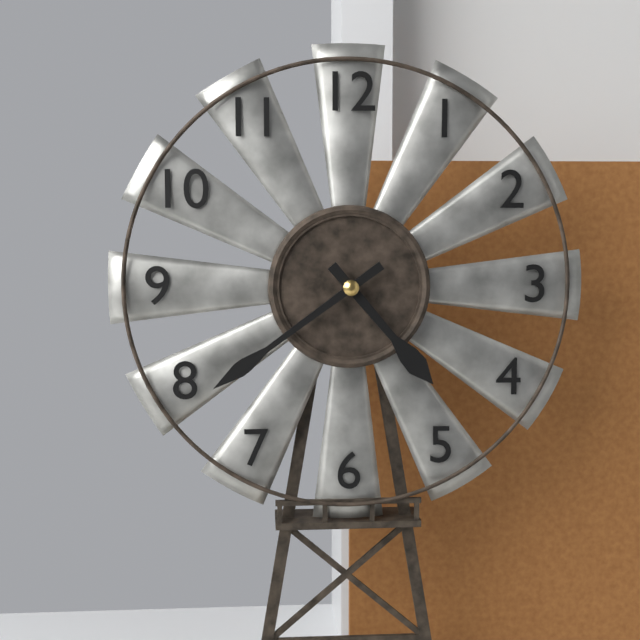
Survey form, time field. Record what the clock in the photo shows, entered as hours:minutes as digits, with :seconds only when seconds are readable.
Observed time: 4:39
